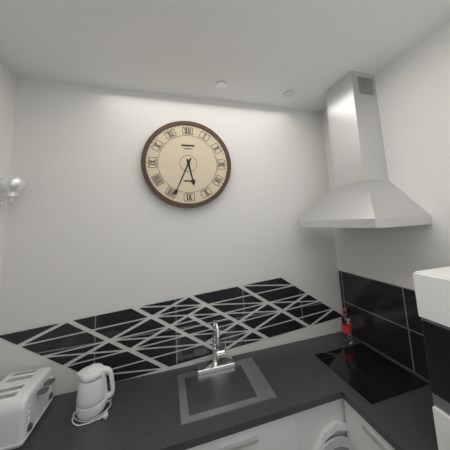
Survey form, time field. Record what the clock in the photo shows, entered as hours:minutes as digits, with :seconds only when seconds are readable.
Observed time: 5:34
